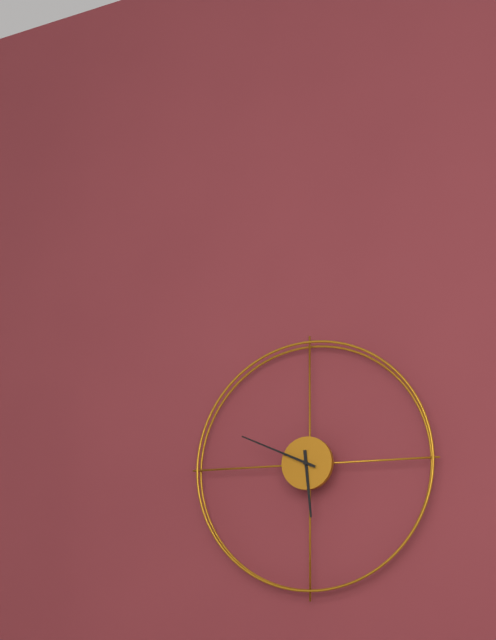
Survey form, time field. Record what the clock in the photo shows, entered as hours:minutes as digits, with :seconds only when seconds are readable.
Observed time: 5:49
